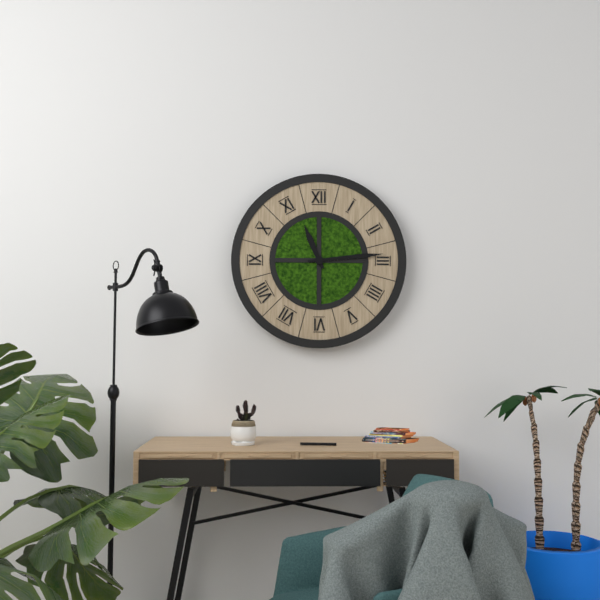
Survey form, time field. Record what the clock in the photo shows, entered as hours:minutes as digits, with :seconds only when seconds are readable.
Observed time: 11:14
